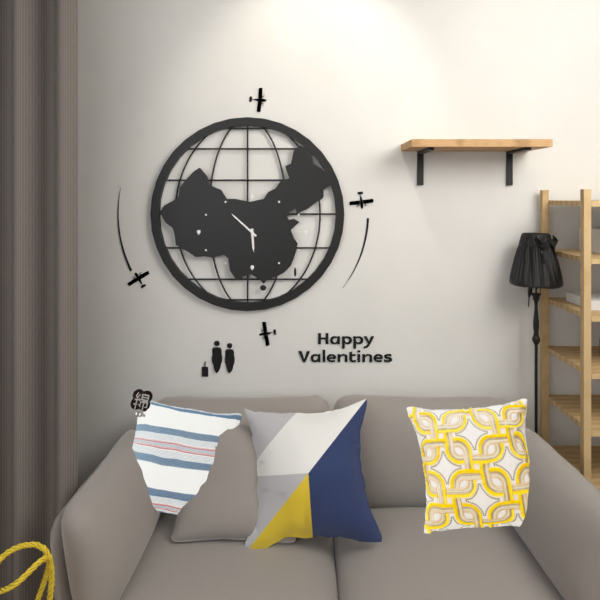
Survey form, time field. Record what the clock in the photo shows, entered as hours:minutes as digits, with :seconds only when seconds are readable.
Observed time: 5:52
